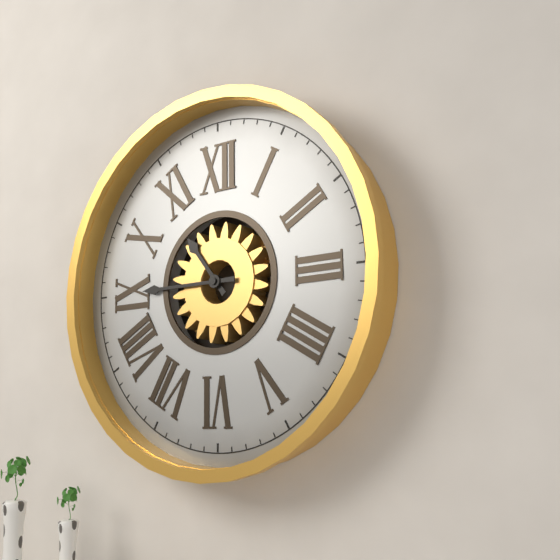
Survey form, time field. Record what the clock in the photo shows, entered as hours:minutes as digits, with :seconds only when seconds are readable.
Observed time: 10:45
